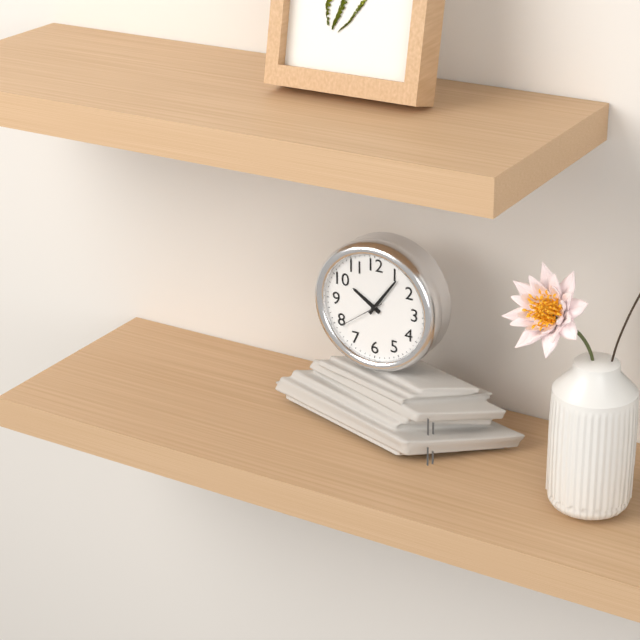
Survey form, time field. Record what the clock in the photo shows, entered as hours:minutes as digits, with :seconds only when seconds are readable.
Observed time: 10:06
